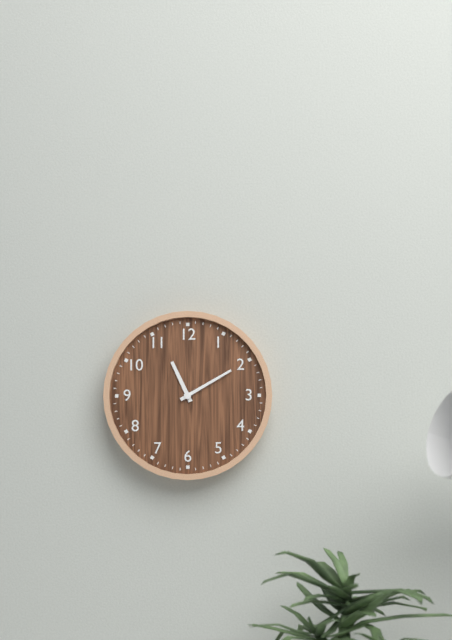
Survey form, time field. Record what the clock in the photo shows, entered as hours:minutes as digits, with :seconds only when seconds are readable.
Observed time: 11:10
